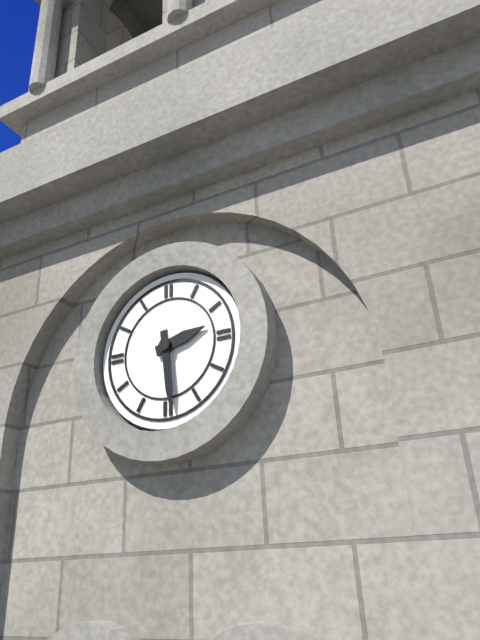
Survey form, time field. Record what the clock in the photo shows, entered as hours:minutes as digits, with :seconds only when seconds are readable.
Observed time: 2:29
